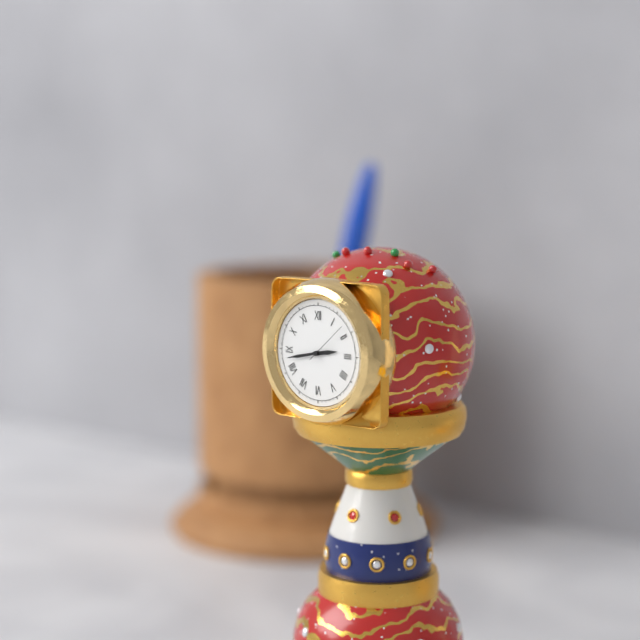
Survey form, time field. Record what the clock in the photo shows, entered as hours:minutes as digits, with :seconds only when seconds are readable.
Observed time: 2:43
